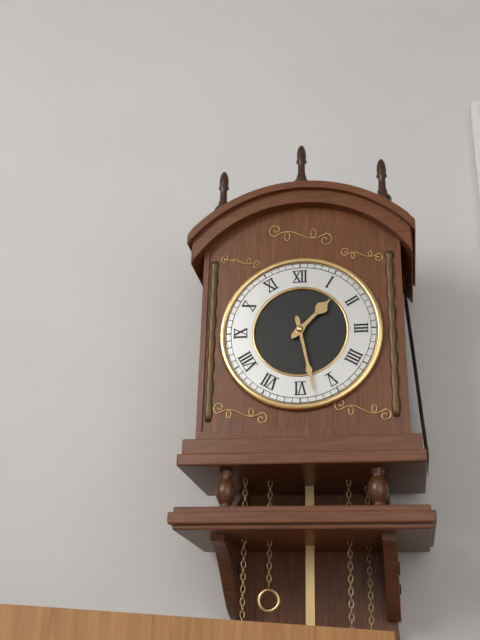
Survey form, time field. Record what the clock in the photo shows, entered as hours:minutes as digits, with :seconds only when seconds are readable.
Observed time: 1:28
